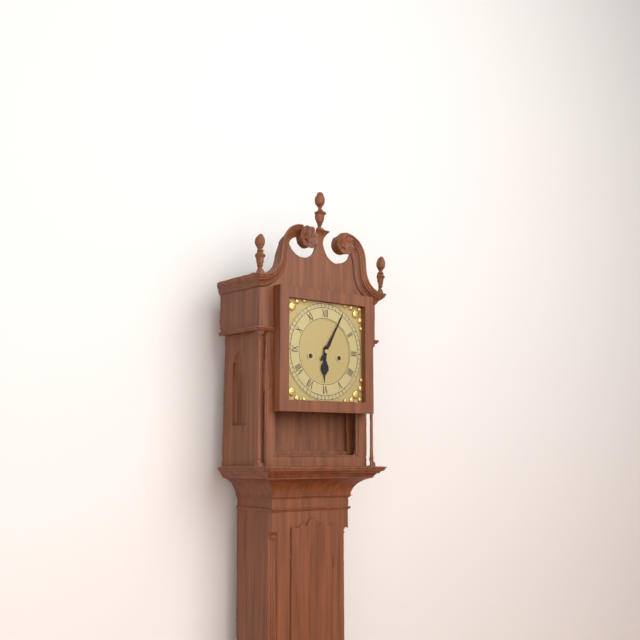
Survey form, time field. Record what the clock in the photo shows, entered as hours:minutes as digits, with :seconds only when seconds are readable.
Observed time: 6:05
